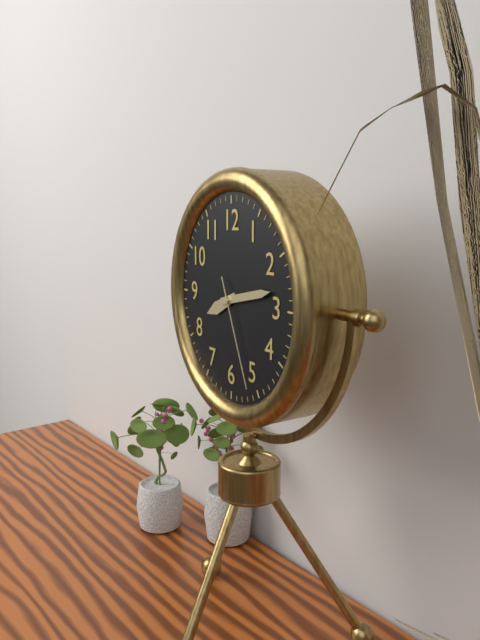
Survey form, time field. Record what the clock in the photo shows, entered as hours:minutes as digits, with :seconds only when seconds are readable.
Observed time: 8:13:26
